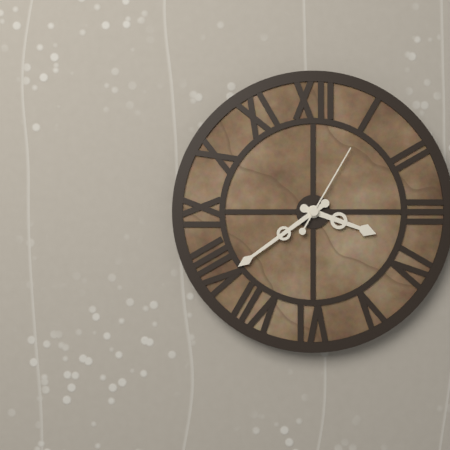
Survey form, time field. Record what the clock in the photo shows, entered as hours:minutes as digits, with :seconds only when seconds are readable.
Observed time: 3:39:05
